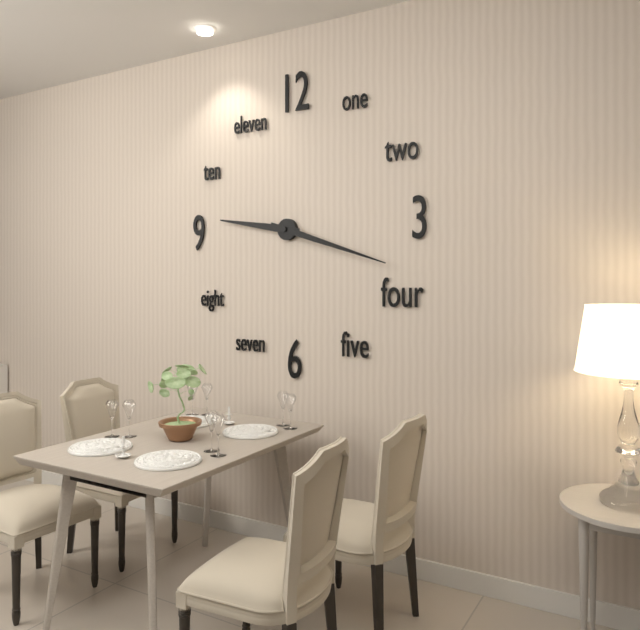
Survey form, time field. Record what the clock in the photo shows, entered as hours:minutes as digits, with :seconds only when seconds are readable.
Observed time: 9:18
